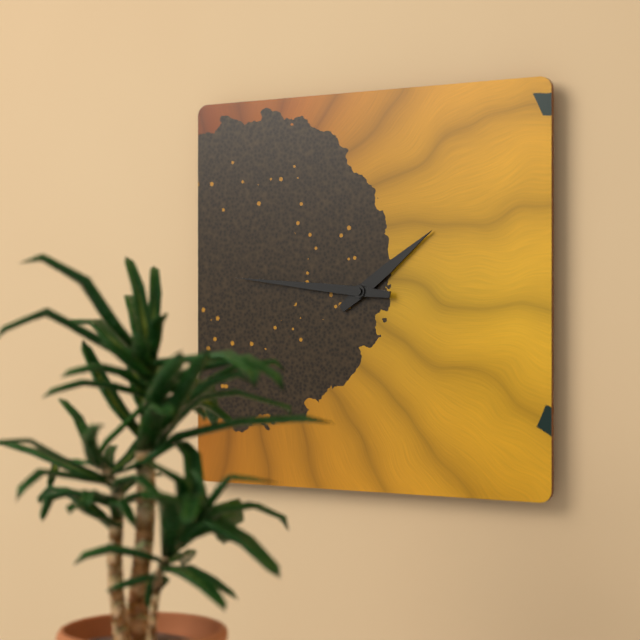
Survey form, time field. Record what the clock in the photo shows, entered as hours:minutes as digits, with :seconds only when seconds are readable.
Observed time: 1:46
